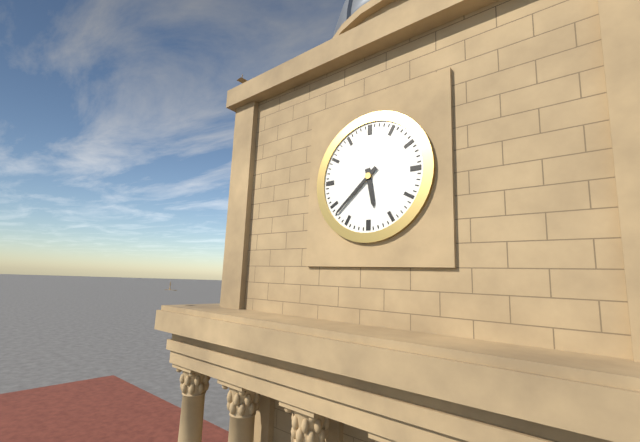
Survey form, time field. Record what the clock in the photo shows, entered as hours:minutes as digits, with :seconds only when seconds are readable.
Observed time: 5:38
